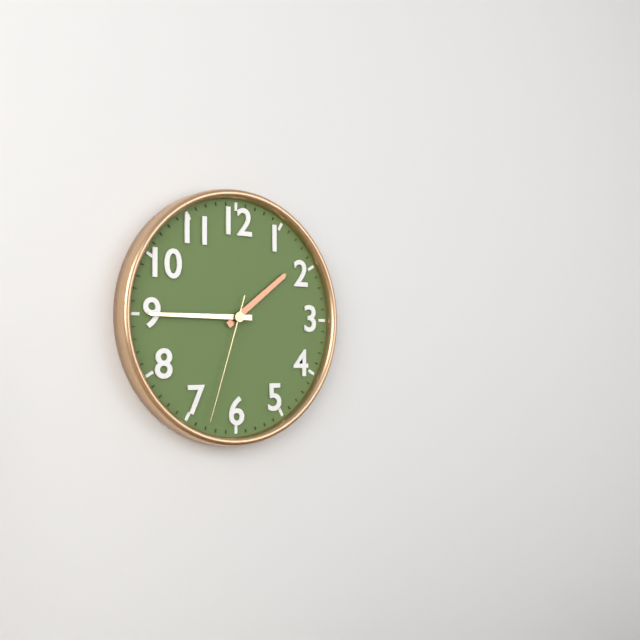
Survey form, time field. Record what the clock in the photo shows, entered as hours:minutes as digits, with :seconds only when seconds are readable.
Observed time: 1:45:33
